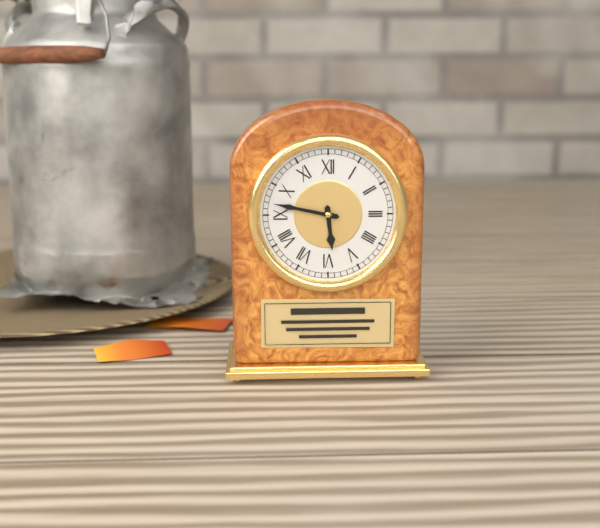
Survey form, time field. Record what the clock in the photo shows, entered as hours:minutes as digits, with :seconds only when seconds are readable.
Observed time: 5:47
